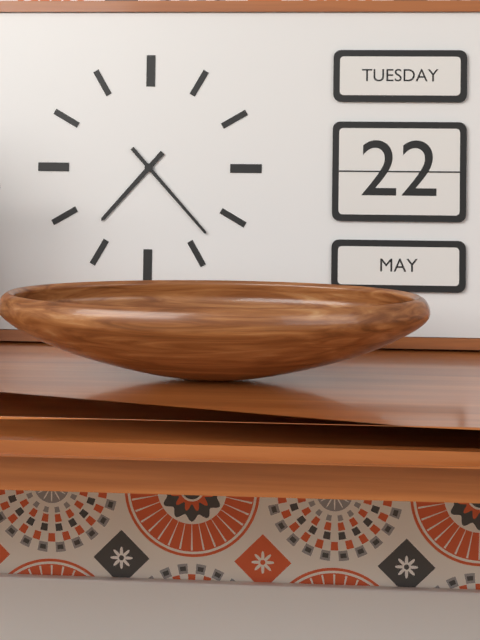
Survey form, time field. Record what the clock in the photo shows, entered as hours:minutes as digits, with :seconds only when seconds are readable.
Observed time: 7:23
